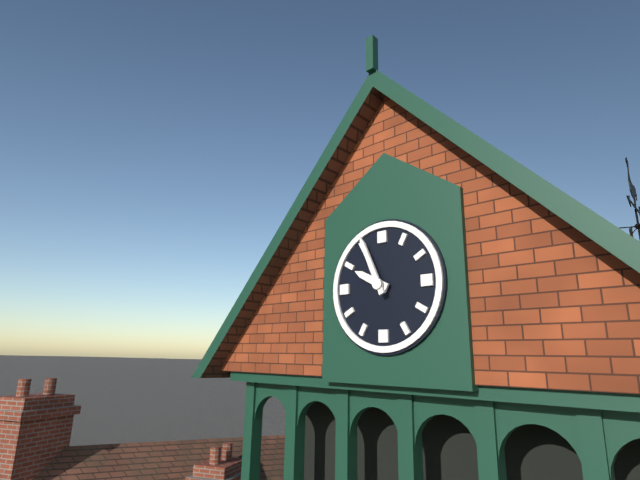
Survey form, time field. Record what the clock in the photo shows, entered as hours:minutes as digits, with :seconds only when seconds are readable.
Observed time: 9:56
